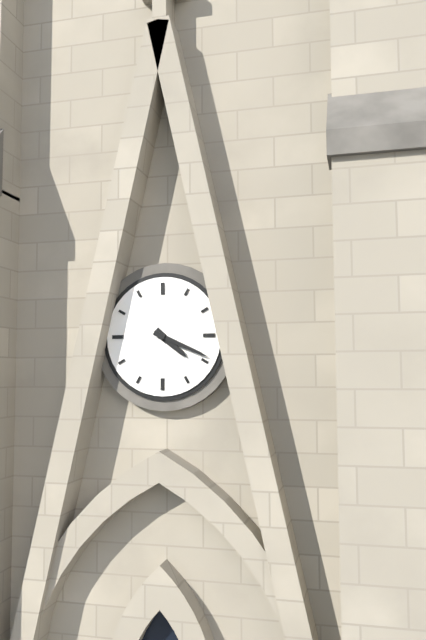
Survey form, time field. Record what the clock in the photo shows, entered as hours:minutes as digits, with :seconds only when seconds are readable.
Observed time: 4:19
